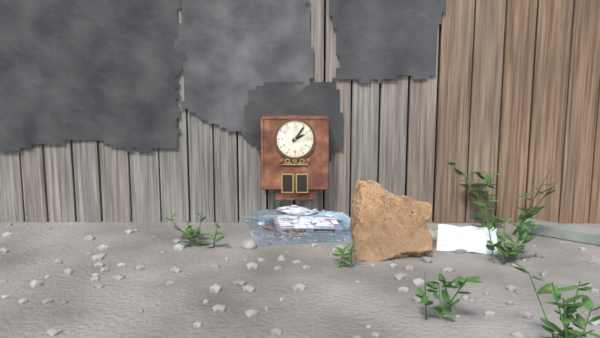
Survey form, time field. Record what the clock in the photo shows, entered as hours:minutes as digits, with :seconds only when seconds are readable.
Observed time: 2:06
